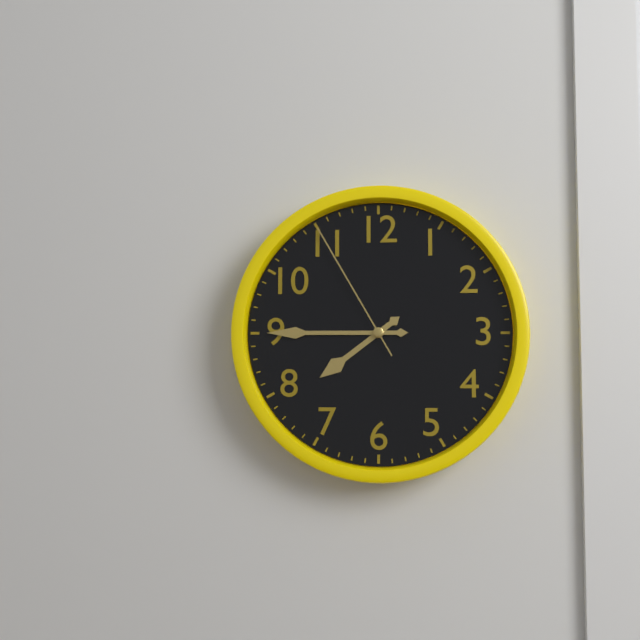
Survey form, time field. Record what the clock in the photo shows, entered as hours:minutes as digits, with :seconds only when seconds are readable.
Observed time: 7:45:55
